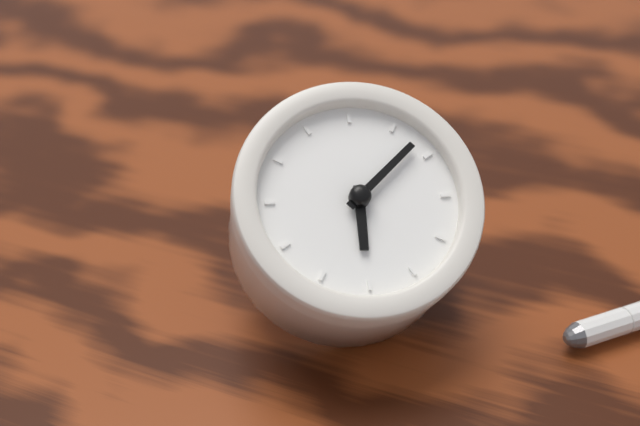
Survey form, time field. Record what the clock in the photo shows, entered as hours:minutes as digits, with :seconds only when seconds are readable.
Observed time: 5:03
